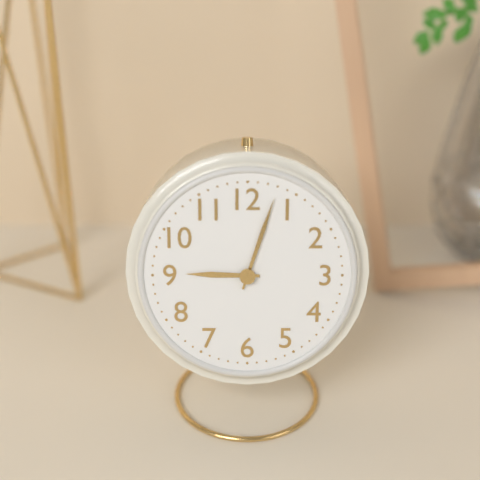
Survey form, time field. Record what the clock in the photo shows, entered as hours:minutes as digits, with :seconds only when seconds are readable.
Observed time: 9:03
